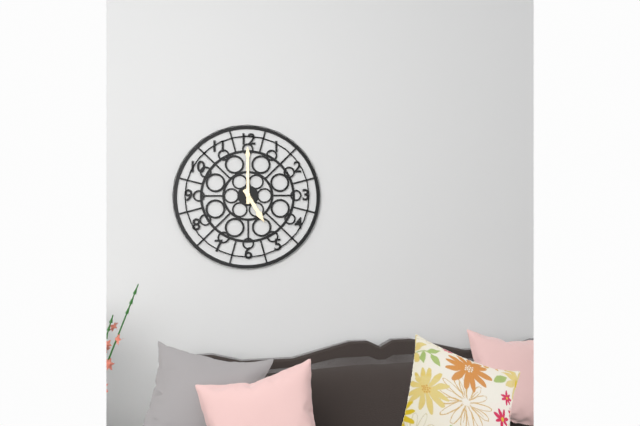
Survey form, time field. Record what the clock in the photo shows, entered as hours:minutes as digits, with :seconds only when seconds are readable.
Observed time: 5:00
